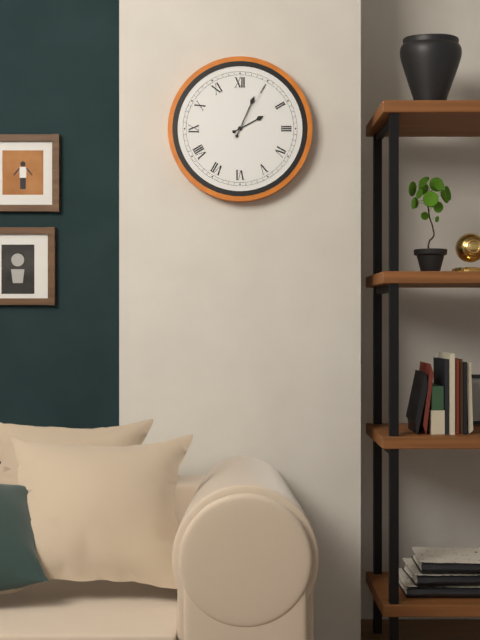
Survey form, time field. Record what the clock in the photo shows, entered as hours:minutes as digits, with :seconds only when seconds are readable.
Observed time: 2:04:05
